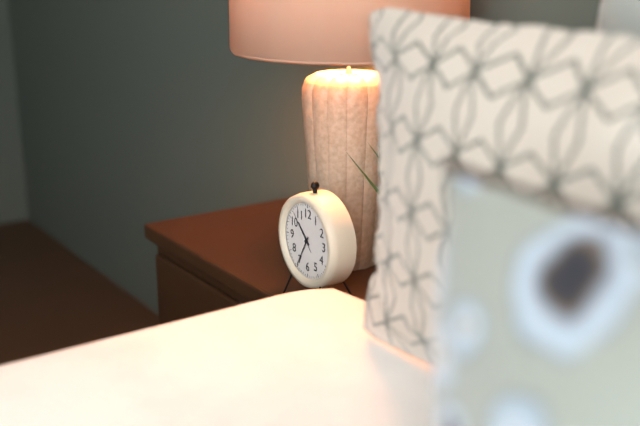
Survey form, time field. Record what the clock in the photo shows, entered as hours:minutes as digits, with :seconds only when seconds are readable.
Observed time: 10:35
